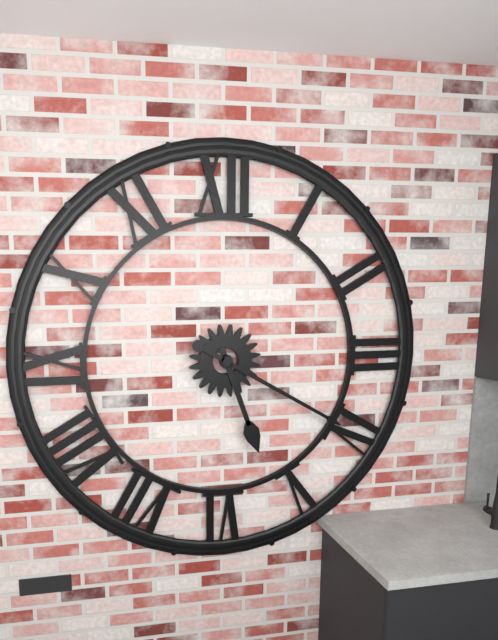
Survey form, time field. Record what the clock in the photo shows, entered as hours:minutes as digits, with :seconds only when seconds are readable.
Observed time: 5:20
